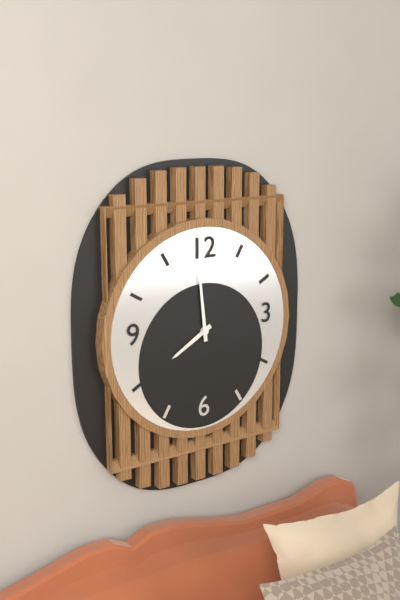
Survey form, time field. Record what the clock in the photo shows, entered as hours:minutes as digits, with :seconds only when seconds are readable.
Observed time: 7:59
